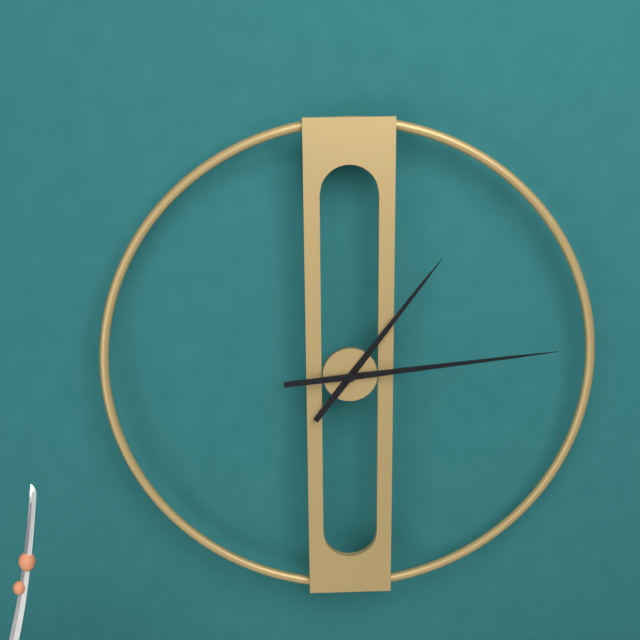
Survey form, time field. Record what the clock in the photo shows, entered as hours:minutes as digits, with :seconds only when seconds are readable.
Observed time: 1:14
